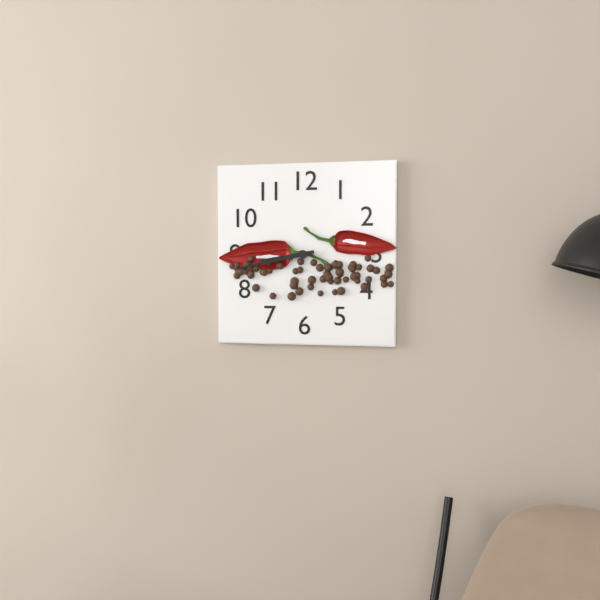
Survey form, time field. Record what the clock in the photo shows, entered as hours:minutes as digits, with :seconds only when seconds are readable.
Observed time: 8:43
